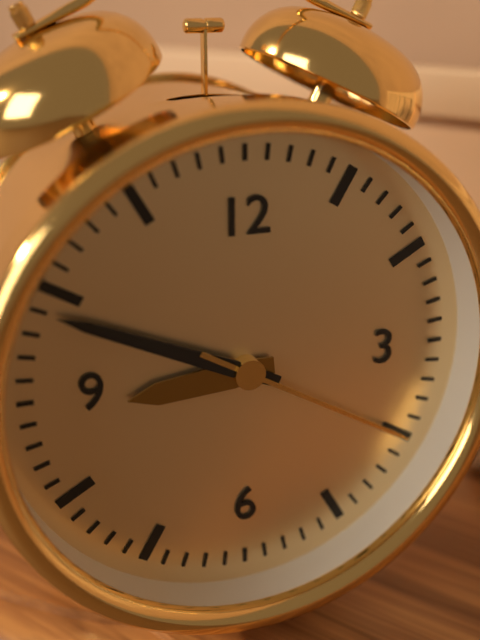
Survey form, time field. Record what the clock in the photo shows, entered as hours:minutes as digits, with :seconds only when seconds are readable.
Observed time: 8:49:20
